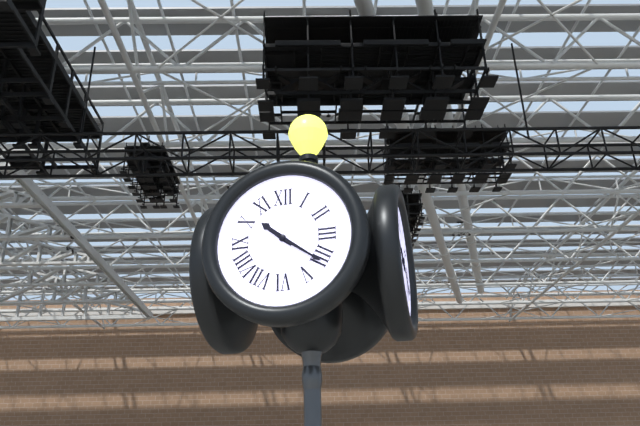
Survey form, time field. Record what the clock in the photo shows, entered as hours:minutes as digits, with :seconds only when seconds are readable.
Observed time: 10:21
